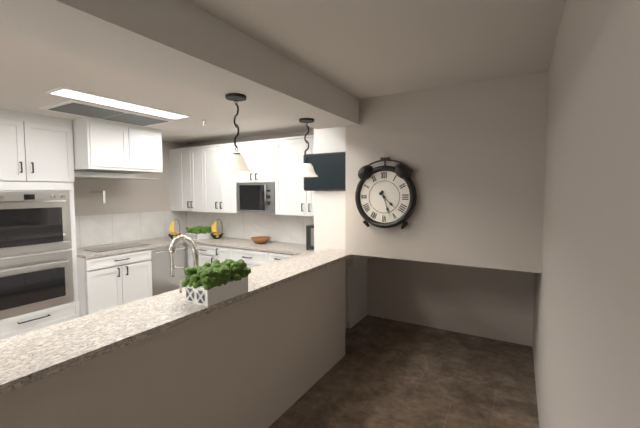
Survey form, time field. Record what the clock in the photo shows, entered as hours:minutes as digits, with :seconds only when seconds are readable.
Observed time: 4:27
